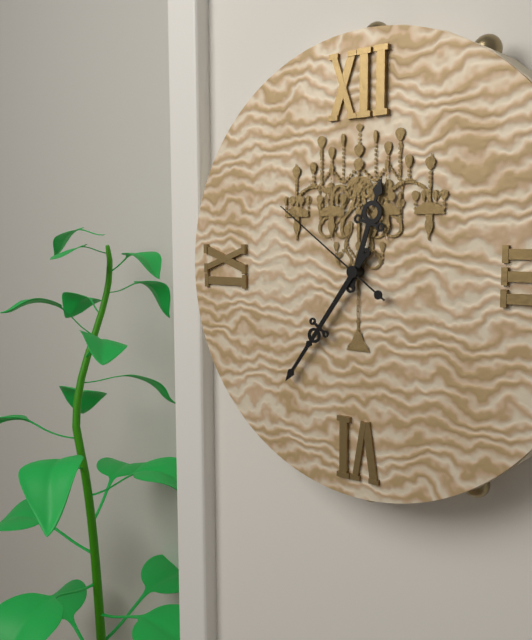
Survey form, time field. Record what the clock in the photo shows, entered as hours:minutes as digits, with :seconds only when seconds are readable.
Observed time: 12:36:51
